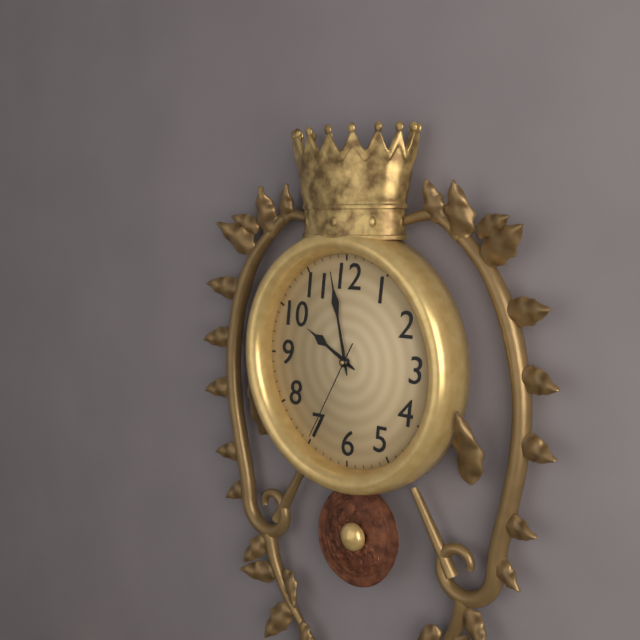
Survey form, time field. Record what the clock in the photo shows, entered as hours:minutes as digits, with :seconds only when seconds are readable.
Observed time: 9:58:35
